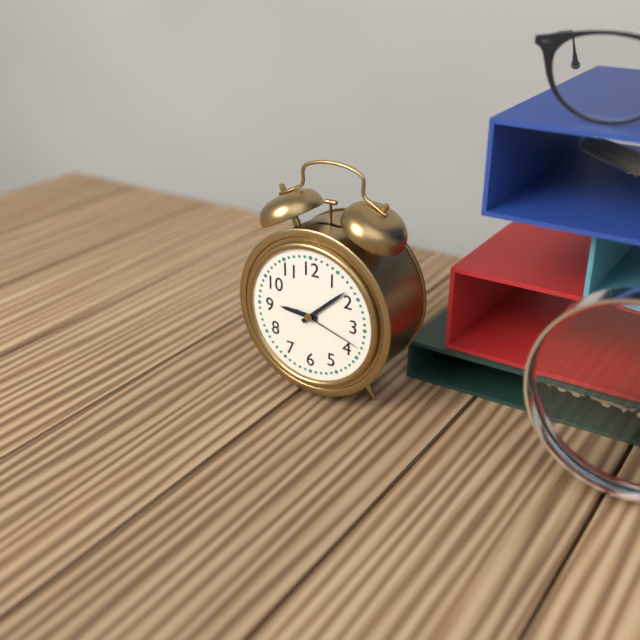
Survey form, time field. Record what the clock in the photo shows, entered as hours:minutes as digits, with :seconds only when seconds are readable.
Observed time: 9:08:18
